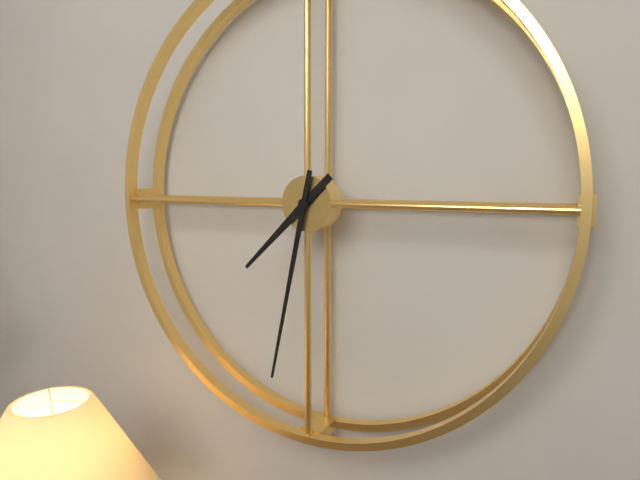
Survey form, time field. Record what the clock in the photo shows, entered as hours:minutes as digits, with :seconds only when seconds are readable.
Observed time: 7:32
